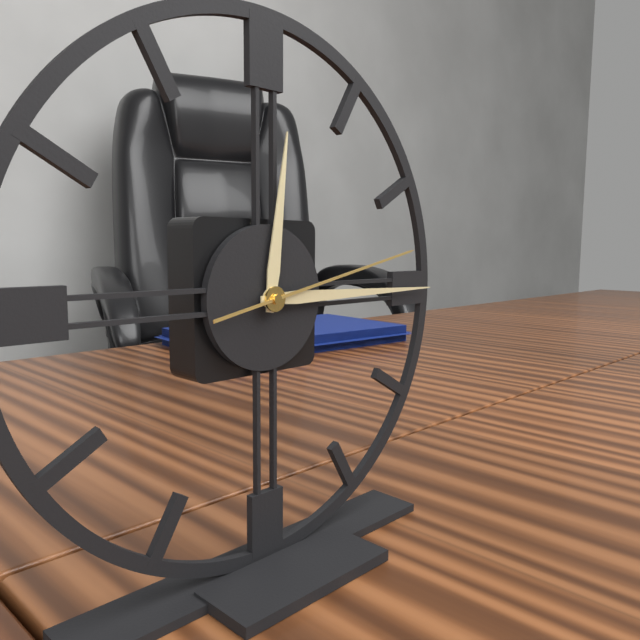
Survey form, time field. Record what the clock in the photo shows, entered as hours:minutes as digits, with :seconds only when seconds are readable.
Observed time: 12:15:13
